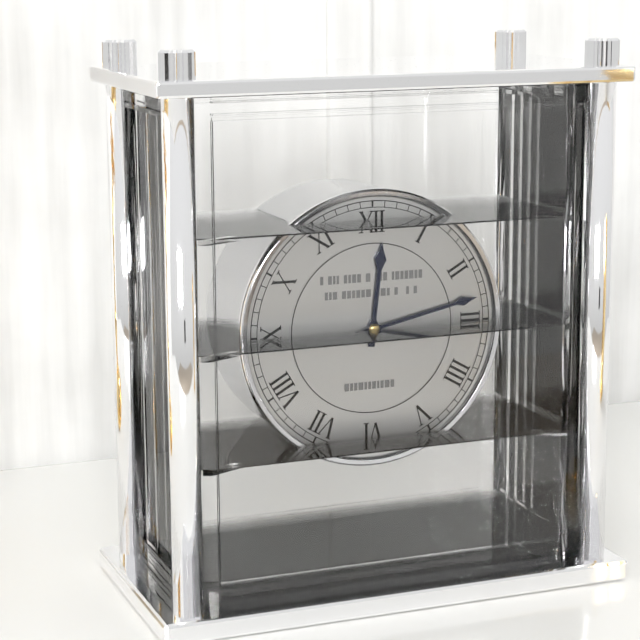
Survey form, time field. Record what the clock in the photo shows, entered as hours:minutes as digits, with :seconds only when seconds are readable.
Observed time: 12:13
